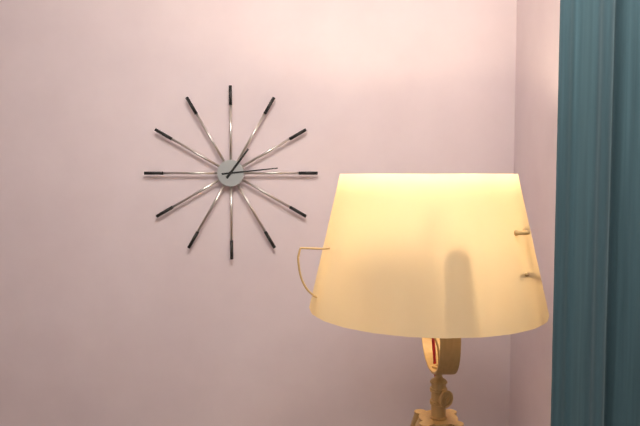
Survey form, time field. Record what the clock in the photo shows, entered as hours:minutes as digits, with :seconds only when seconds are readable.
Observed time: 1:14
